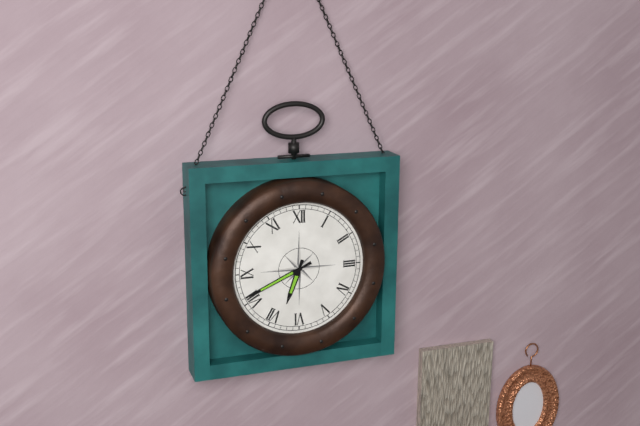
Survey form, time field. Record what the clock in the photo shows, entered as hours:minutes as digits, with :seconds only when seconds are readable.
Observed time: 6:41
